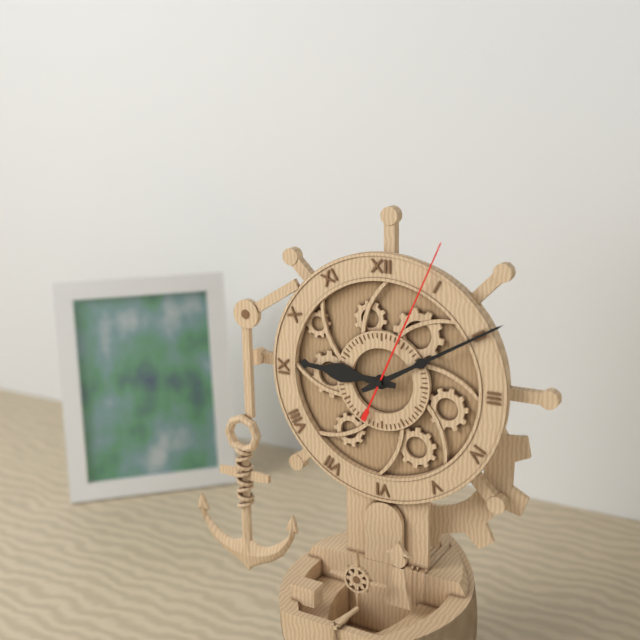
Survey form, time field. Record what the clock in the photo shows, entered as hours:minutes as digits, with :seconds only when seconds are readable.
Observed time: 9:10:04
